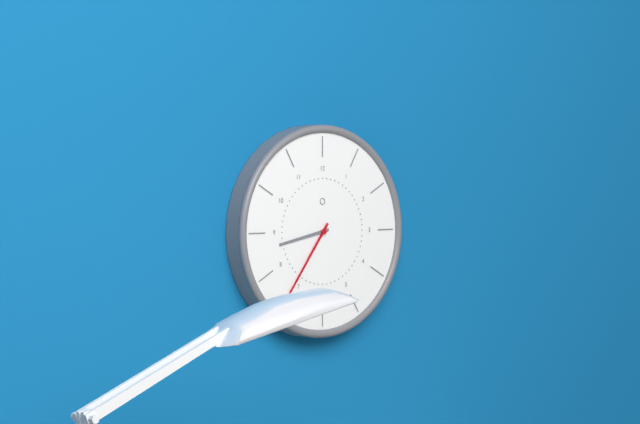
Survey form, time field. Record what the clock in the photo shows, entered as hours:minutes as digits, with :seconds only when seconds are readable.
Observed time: 8:36
